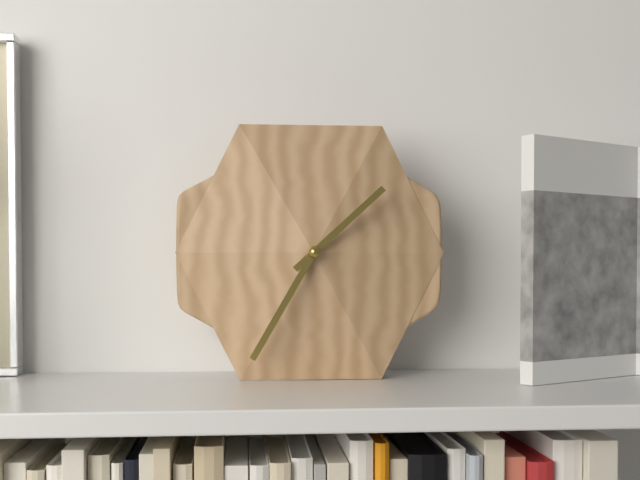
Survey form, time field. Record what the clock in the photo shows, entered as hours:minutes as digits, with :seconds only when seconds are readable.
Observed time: 1:35
